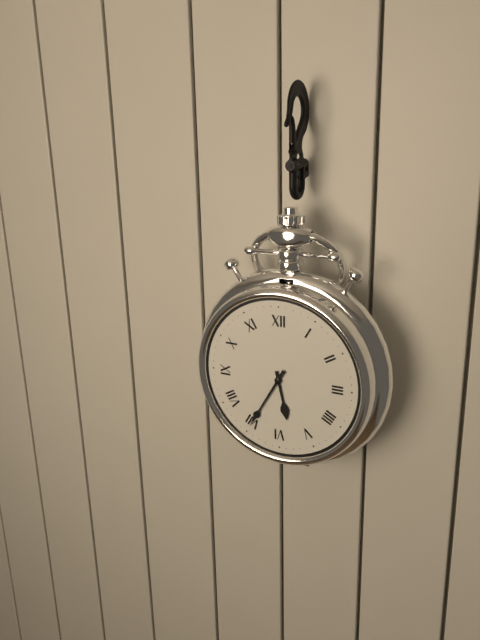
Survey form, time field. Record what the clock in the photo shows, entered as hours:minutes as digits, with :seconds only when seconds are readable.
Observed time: 5:35
